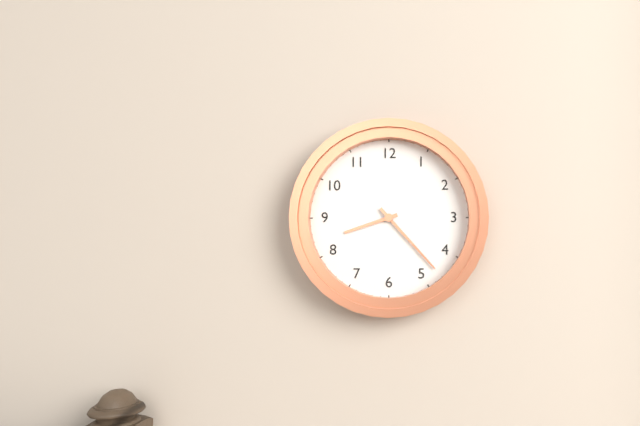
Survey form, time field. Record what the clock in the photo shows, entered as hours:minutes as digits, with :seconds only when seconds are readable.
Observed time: 8:23
